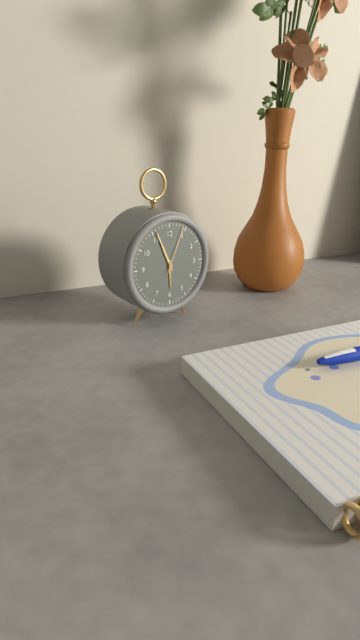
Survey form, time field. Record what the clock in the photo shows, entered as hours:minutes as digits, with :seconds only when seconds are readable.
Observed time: 5:56:04
